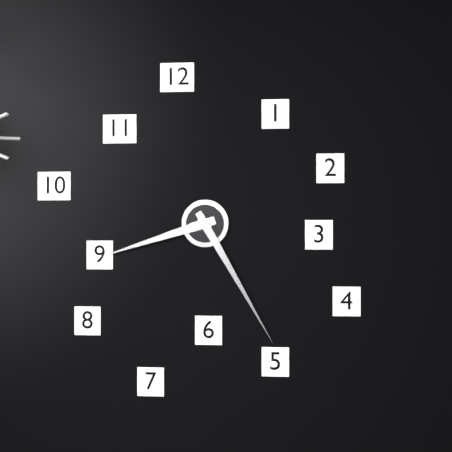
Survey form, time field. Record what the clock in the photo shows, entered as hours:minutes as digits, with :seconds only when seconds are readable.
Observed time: 8:25
